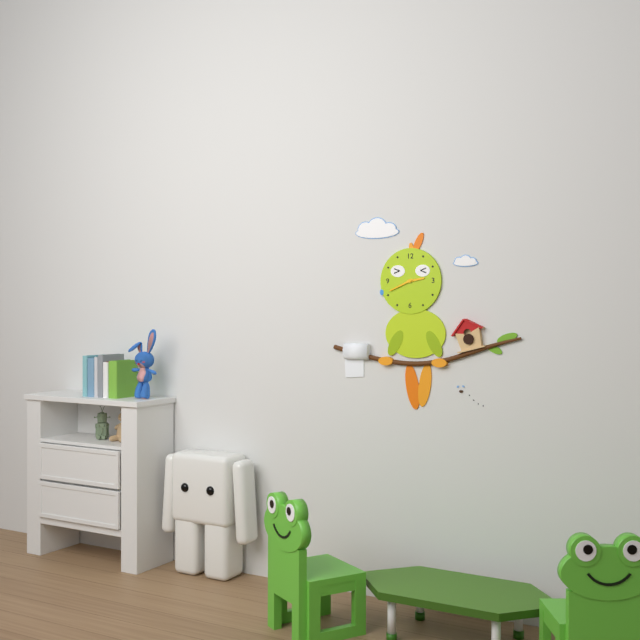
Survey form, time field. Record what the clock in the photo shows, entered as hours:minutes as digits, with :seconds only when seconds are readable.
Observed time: 2:41
